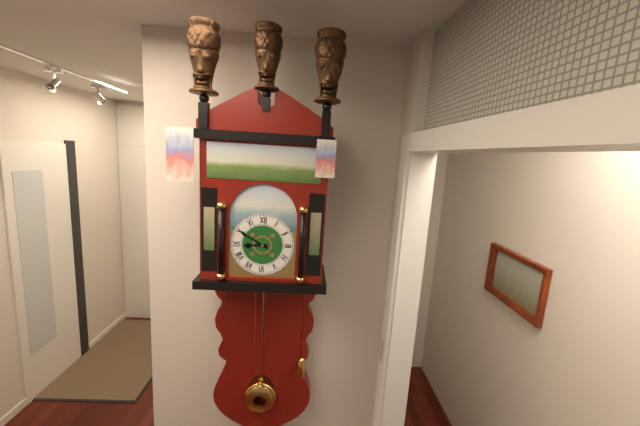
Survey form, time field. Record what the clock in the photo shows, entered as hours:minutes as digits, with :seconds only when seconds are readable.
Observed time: 8:50
